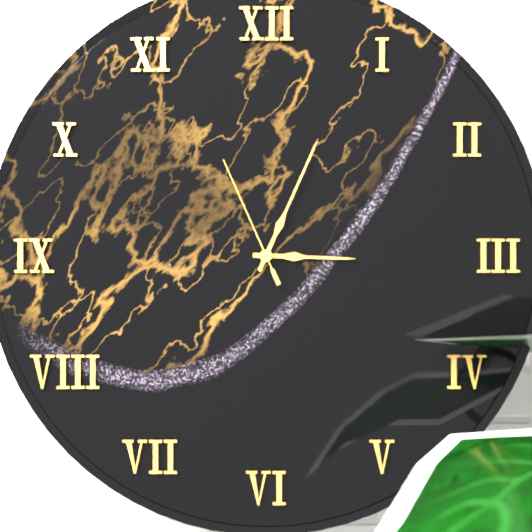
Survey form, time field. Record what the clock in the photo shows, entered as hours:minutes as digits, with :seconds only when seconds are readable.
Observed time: 3:04:56
